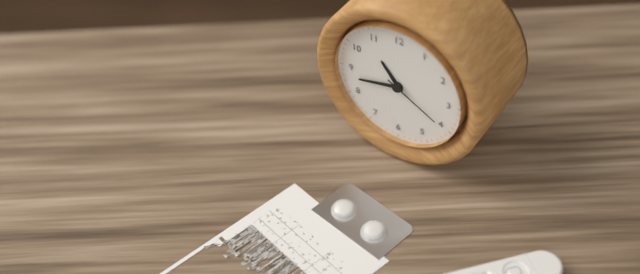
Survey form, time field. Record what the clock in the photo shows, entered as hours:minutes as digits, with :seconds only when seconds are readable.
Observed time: 10:43:20
